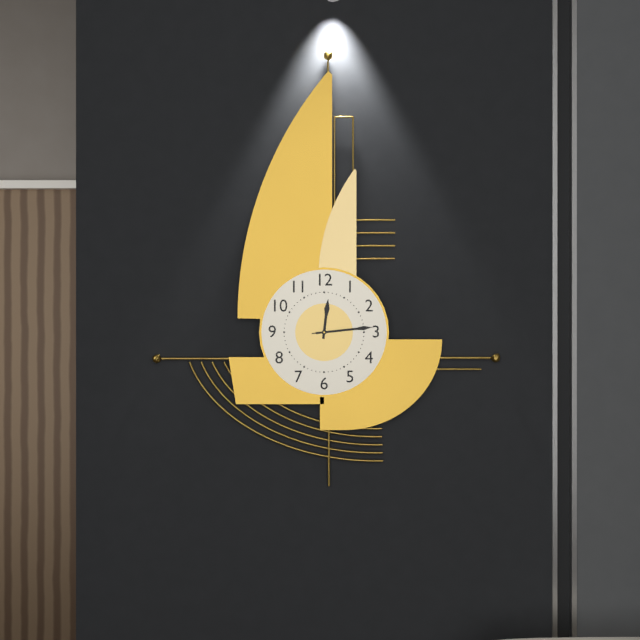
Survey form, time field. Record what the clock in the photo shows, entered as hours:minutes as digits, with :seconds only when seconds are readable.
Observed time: 12:14:14
